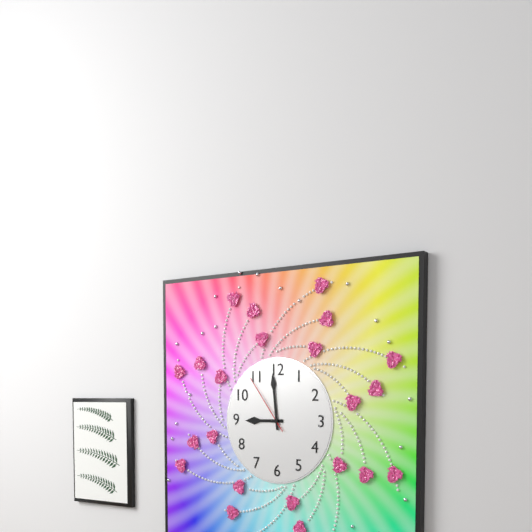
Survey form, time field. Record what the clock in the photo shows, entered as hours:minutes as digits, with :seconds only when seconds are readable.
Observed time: 8:59:54
